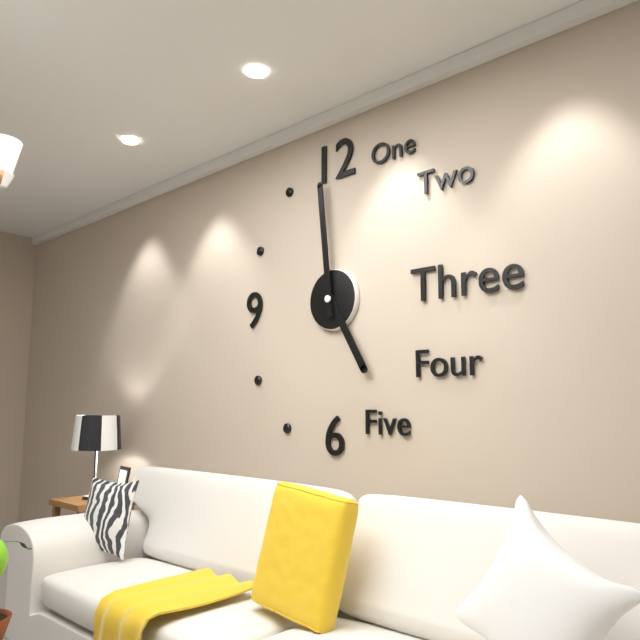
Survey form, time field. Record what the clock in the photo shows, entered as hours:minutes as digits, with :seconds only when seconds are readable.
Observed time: 4:59
